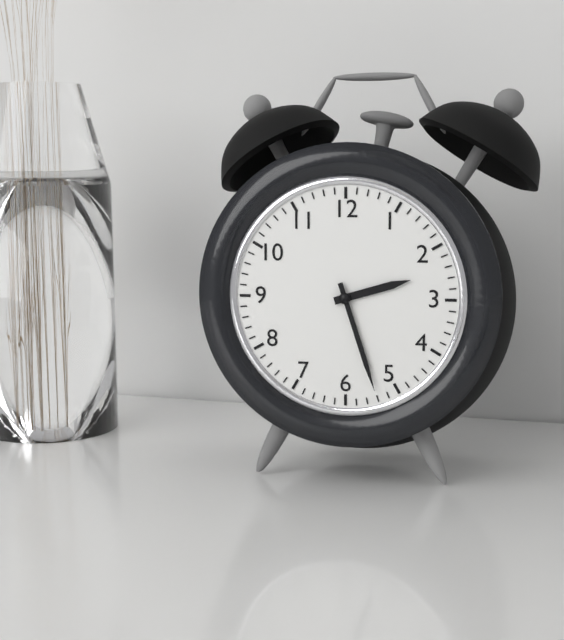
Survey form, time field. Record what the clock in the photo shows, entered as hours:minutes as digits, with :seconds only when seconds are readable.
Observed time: 2:27
